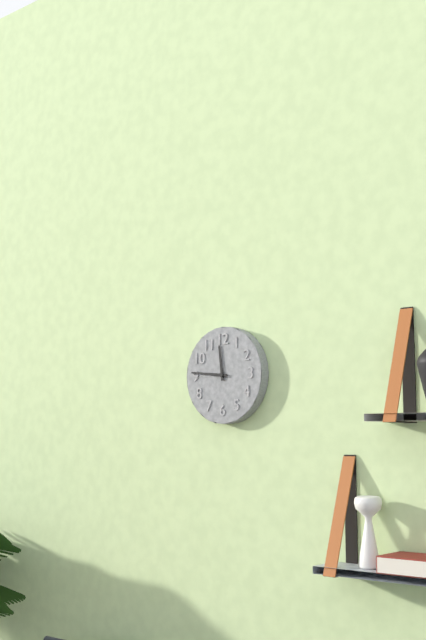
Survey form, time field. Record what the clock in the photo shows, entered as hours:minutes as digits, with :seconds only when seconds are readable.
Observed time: 11:46
